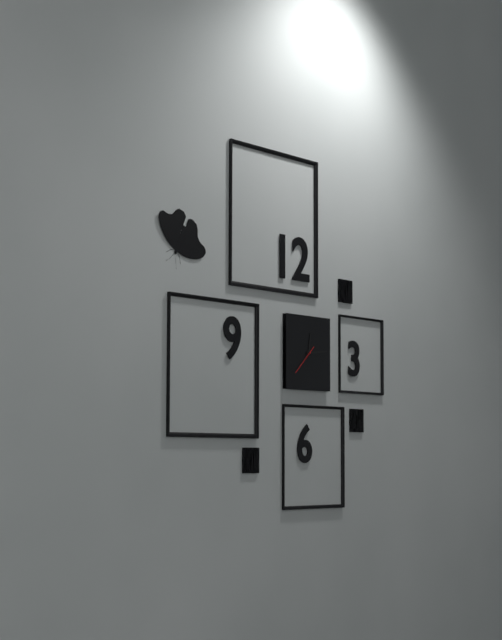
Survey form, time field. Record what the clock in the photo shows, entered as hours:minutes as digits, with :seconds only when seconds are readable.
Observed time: 12:14
